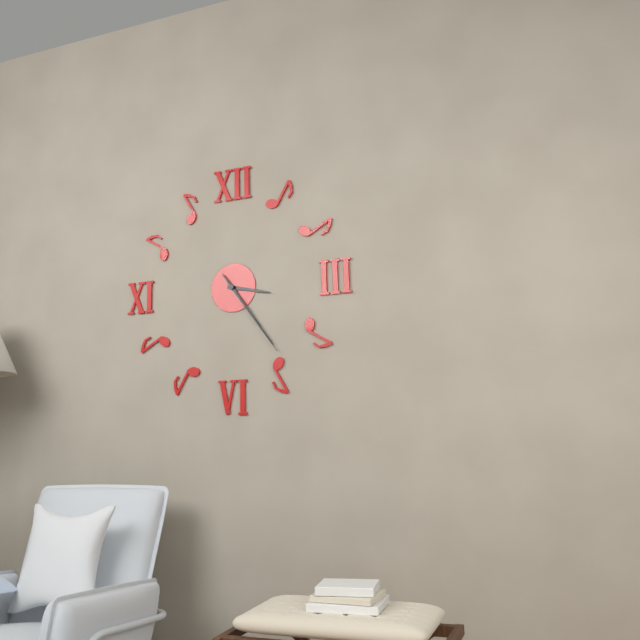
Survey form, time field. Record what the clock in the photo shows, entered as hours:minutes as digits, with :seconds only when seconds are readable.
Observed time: 3:24:24
